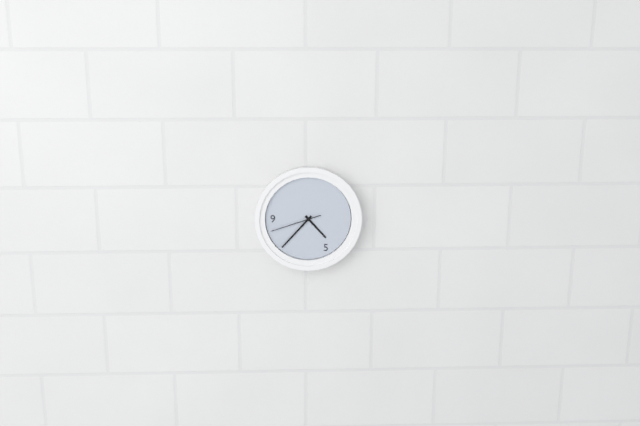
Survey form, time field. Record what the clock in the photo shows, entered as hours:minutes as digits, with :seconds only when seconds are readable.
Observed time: 4:37
